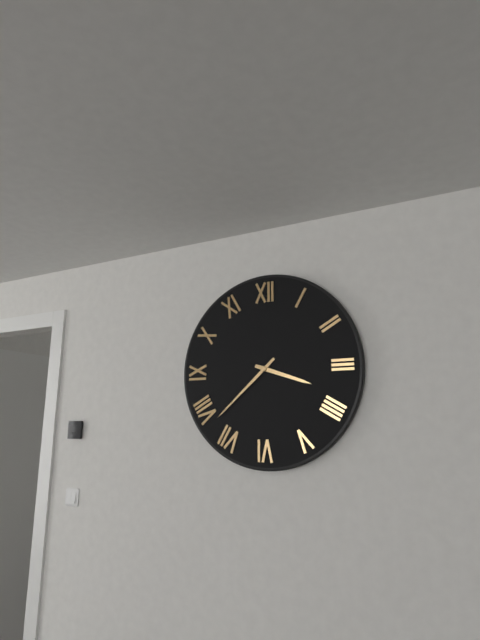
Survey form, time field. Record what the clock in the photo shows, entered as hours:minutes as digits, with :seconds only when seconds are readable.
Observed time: 3:38
